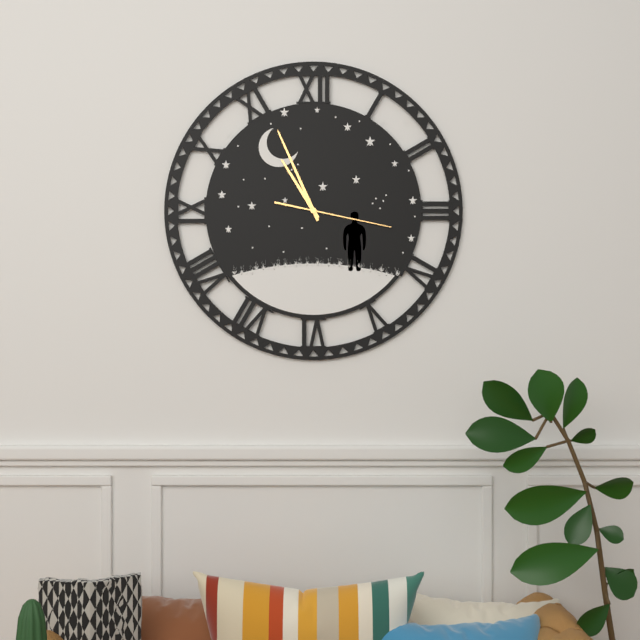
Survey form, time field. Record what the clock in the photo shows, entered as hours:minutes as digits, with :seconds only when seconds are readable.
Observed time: 10:56:17
